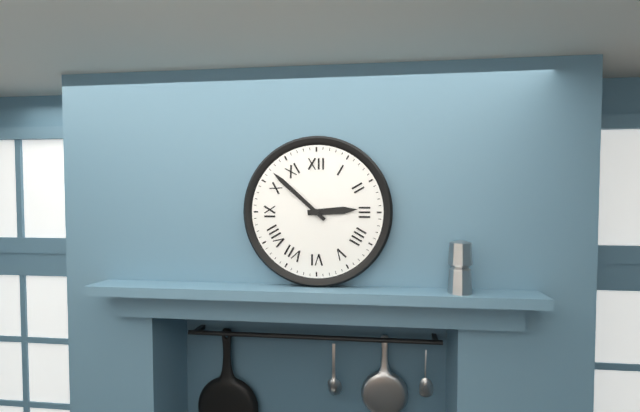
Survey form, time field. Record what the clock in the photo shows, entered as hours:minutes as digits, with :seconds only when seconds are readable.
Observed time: 2:52
